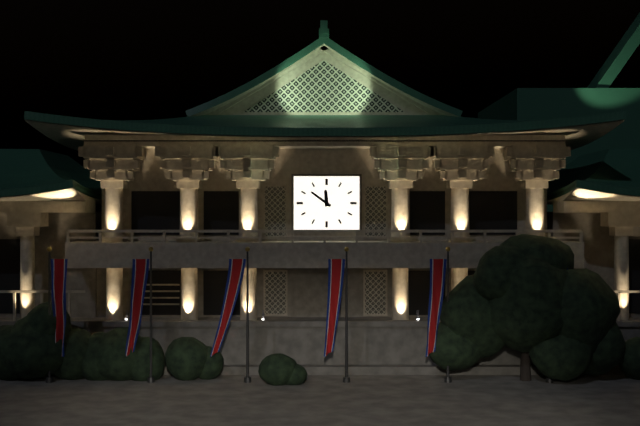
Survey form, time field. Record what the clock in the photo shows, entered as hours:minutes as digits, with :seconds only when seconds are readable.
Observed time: 11:51
